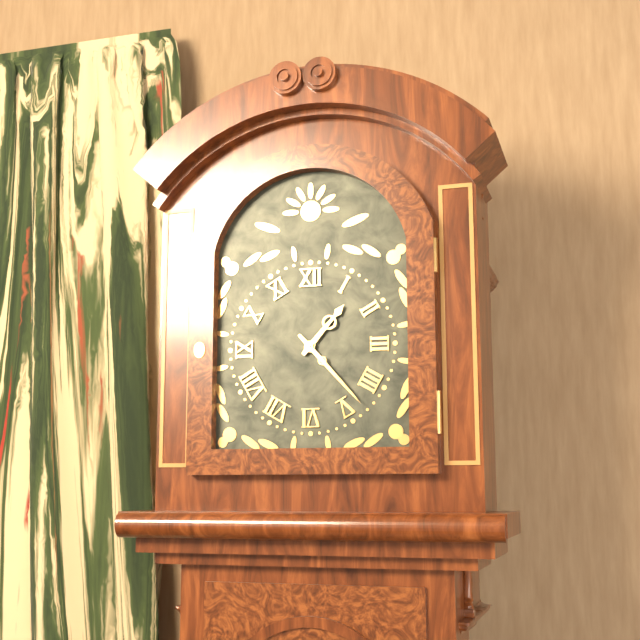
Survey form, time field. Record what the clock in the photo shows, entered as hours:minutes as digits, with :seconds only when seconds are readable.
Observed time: 1:23
